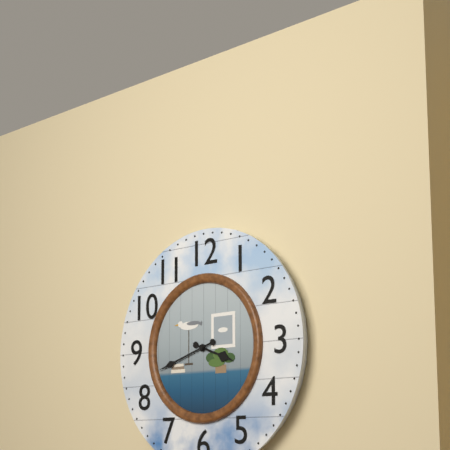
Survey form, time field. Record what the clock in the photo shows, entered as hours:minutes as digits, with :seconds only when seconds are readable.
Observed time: 3:42
